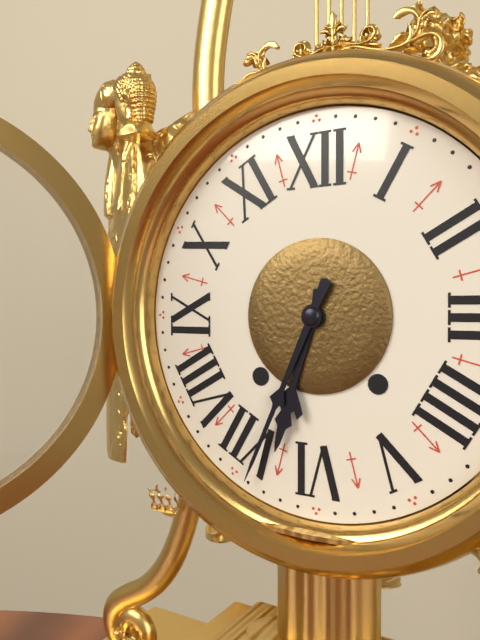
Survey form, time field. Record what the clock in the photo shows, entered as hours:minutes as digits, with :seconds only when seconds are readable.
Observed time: 6:34
